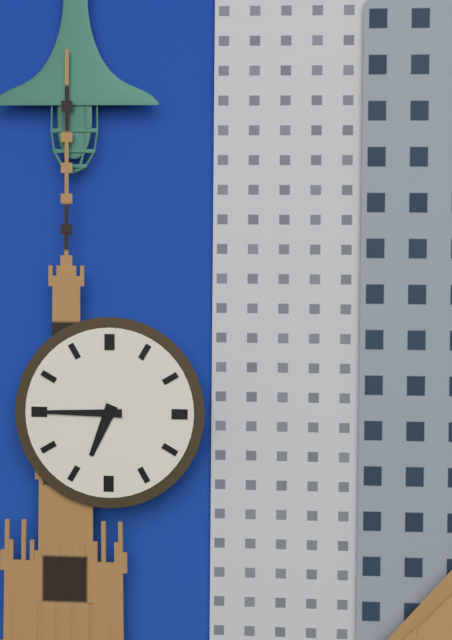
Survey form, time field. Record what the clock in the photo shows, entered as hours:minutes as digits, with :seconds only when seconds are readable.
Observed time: 6:45
